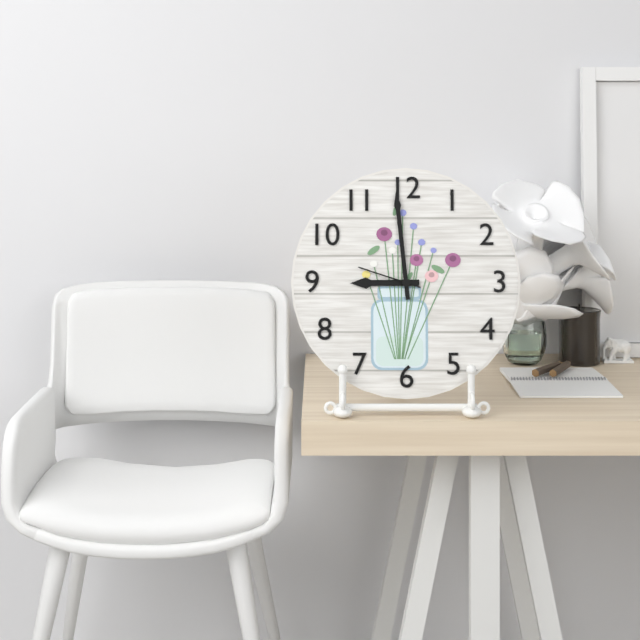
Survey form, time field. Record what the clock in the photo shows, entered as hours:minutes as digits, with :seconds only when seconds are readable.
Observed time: 8:59:48
